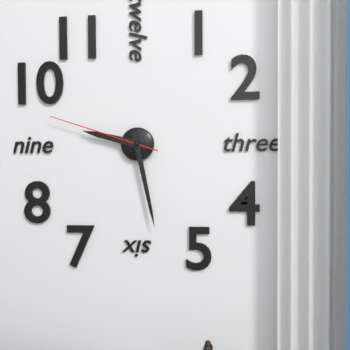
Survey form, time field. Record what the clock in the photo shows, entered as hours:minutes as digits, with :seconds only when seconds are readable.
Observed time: 9:28:48
